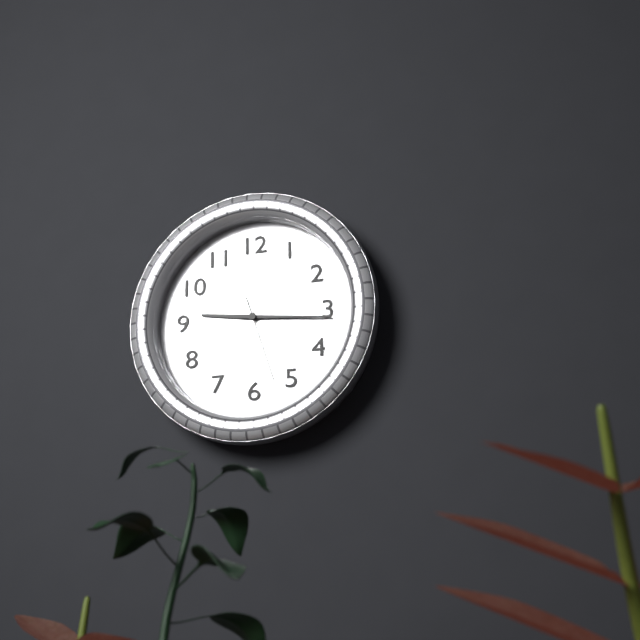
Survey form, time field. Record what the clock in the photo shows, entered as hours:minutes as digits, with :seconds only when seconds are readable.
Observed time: 9:16:27
